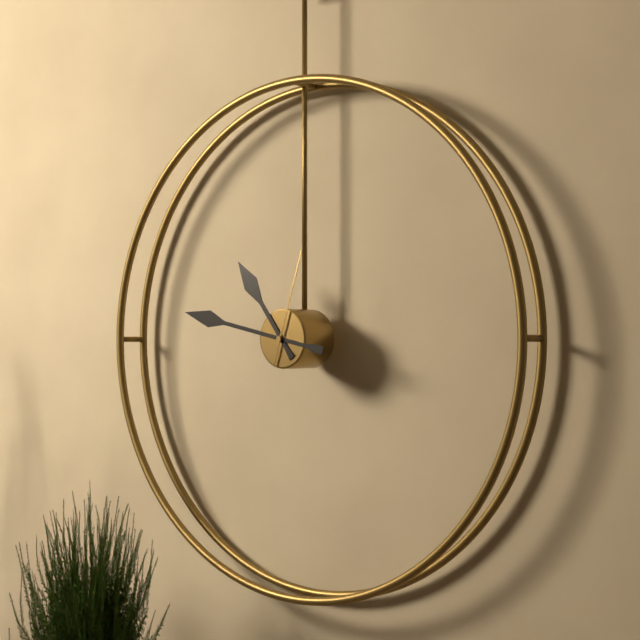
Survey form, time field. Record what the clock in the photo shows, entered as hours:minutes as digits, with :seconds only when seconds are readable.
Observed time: 10:47:03
